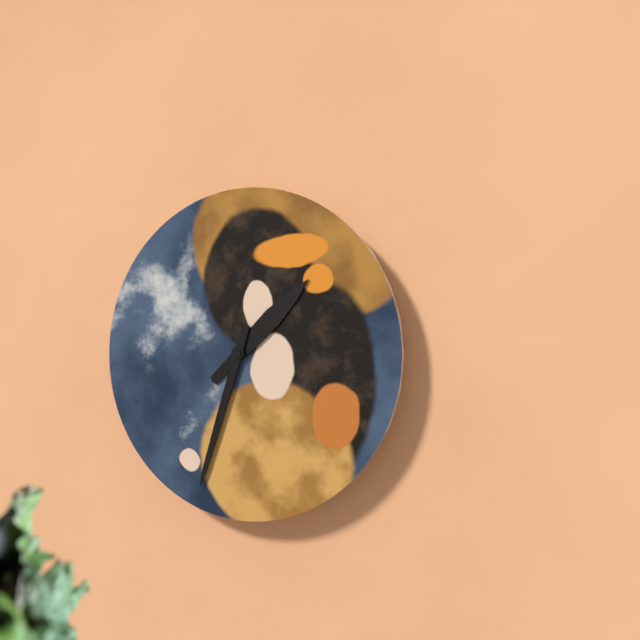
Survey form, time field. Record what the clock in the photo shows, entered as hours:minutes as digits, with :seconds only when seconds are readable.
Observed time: 1:33
